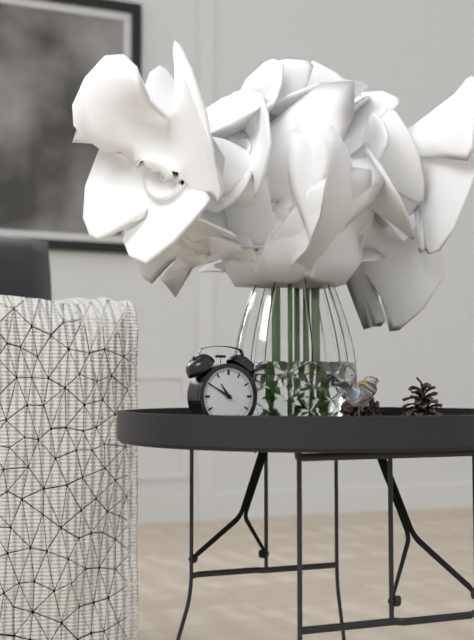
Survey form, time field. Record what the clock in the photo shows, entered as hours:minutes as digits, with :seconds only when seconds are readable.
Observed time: 10:50
